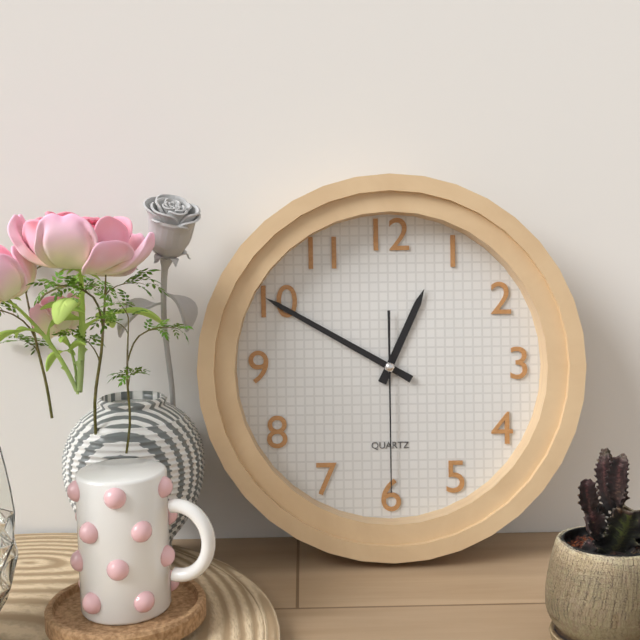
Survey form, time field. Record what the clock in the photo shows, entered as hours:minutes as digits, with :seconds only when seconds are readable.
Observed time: 12:50:30
